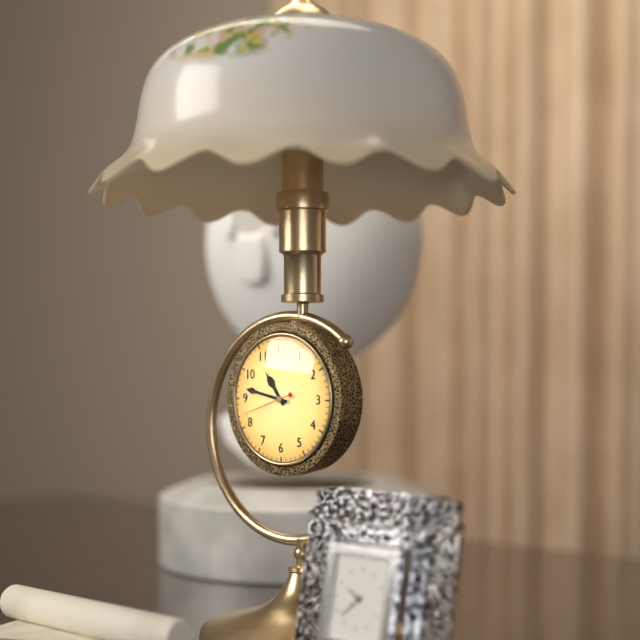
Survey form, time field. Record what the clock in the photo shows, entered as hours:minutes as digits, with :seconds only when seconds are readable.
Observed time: 10:47
